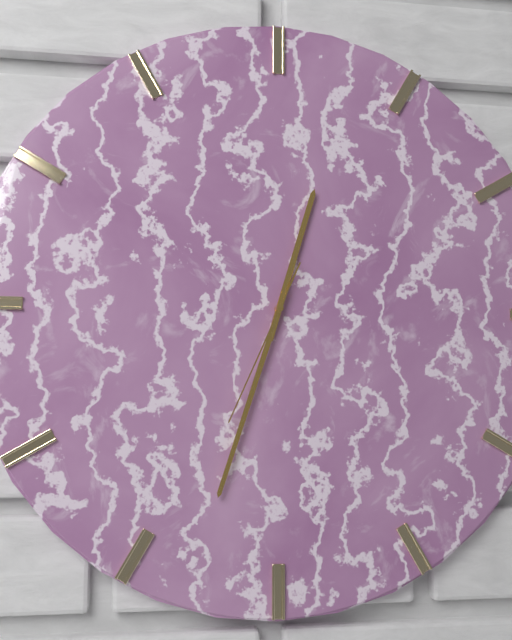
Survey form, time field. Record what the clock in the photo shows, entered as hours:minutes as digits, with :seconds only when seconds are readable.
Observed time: 12:33:34
